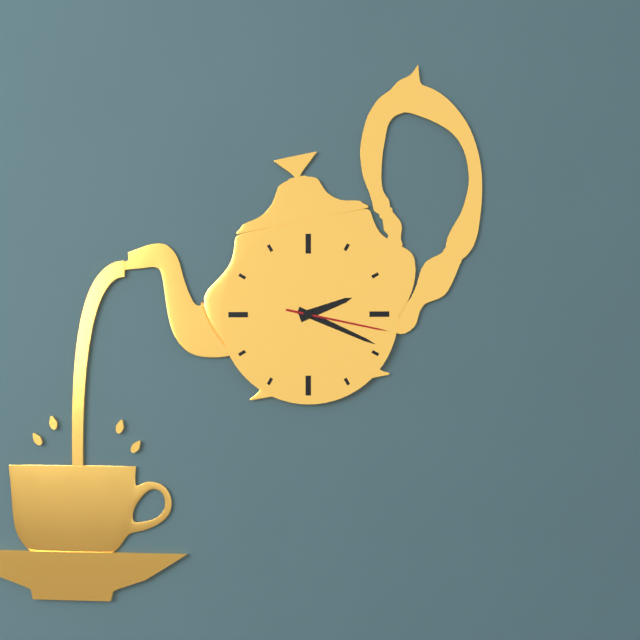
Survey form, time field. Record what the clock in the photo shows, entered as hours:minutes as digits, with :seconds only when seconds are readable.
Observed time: 2:19:17
